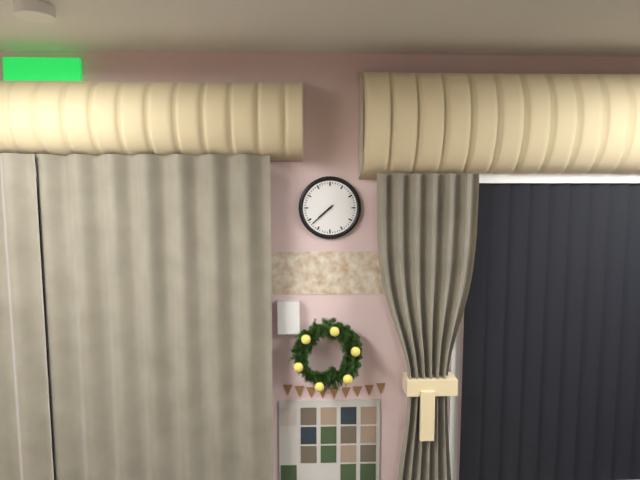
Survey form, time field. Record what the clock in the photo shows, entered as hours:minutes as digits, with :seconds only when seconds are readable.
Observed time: 7:38
